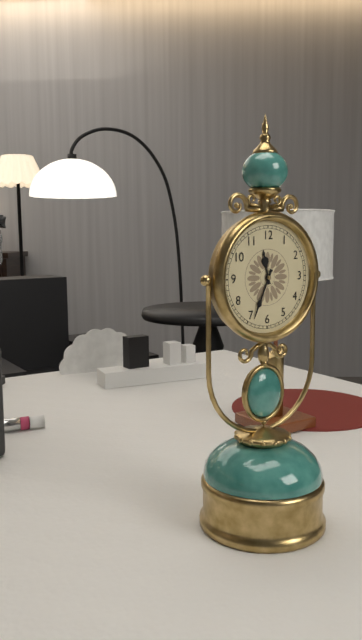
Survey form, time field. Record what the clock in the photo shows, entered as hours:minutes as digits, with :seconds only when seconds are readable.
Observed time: 11:34
